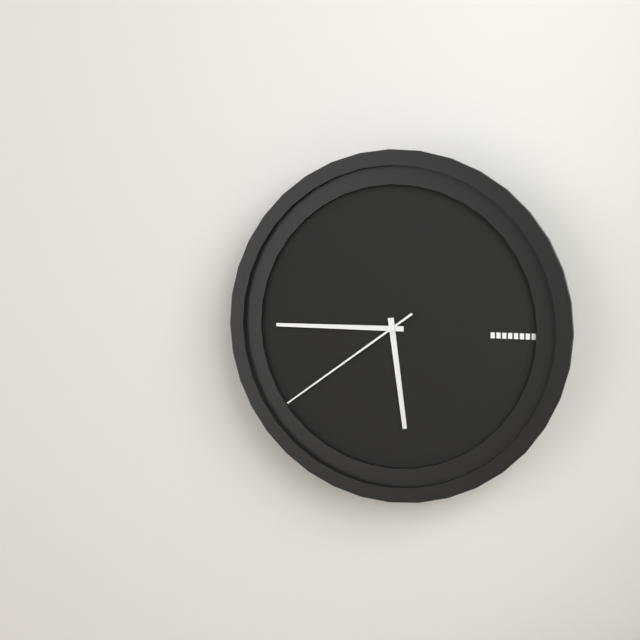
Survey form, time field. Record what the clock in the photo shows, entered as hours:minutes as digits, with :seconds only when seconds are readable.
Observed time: 5:45:39
